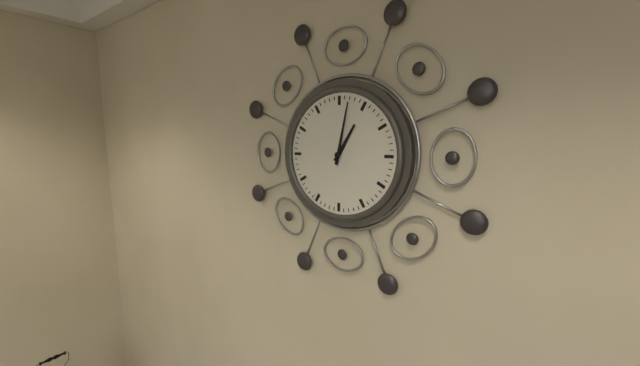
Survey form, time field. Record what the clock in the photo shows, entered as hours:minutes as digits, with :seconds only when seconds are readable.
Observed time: 1:02
